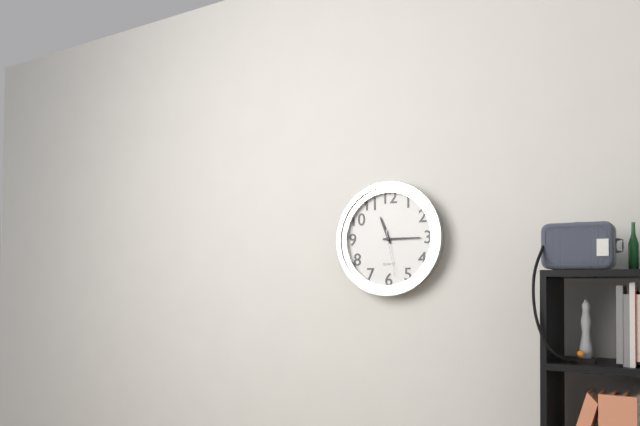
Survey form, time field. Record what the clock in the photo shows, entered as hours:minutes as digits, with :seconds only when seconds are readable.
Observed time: 11:15
